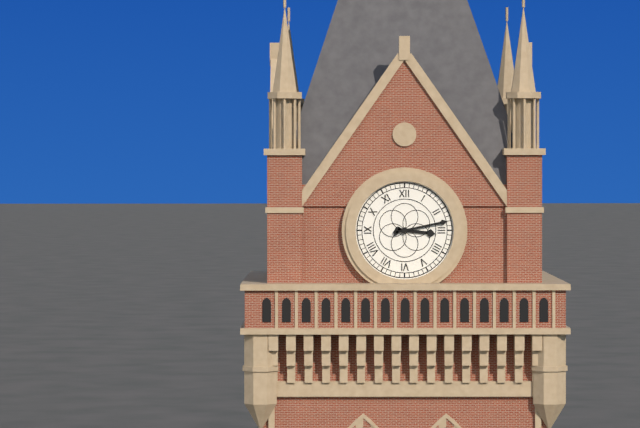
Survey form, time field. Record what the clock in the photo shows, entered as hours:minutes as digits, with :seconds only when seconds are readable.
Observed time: 3:13
